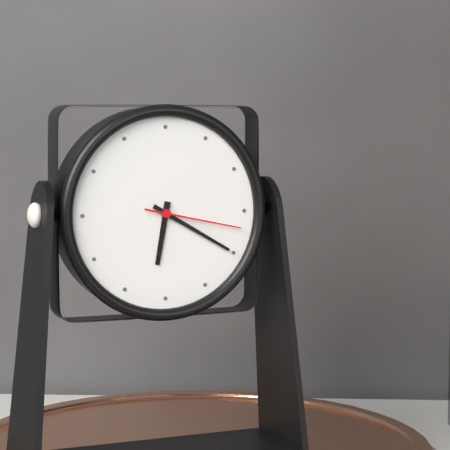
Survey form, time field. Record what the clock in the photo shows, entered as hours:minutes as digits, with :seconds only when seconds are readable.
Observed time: 6:20:17
